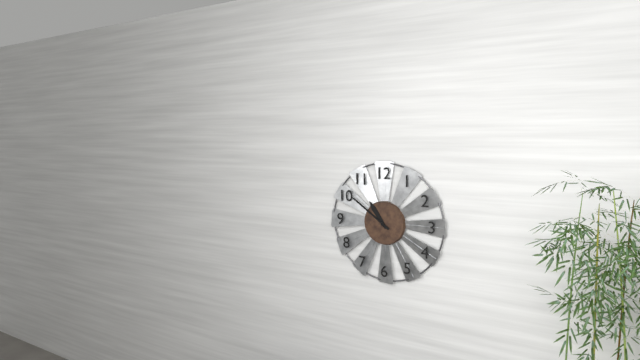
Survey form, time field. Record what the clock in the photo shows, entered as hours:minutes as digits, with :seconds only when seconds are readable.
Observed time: 10:51
